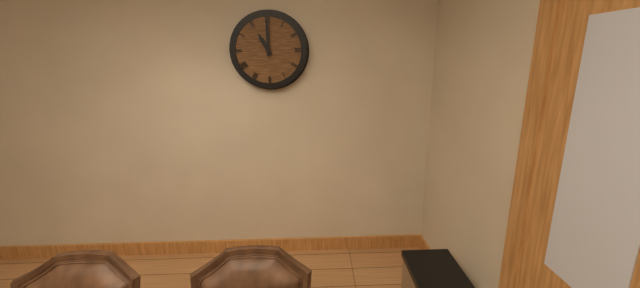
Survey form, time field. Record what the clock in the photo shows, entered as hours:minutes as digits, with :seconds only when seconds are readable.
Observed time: 11:00
